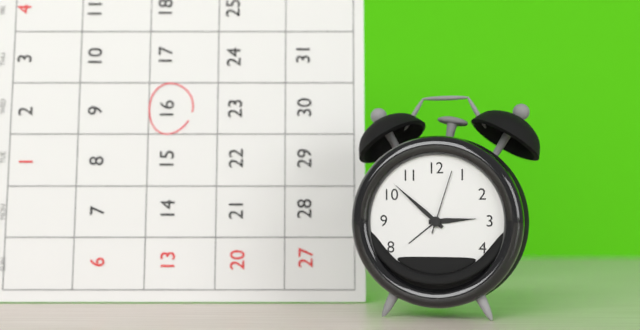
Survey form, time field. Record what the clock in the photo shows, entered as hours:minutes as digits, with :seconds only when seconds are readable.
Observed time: 2:52:03
